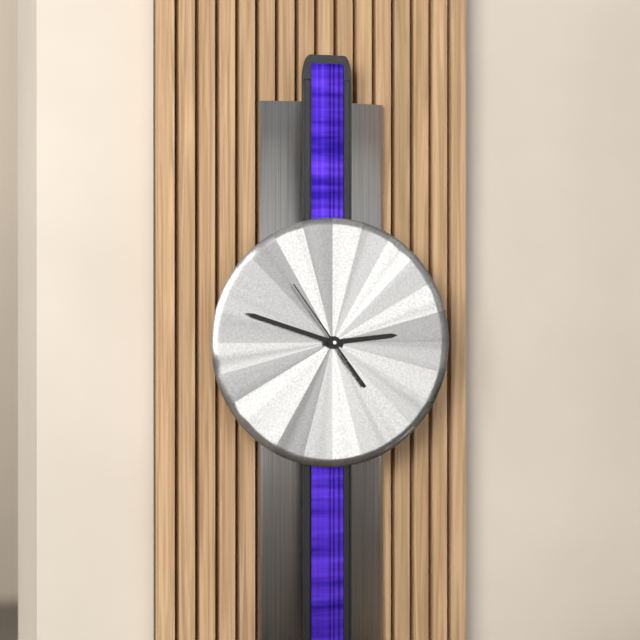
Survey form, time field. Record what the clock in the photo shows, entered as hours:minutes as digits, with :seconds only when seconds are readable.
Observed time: 2:48:54
